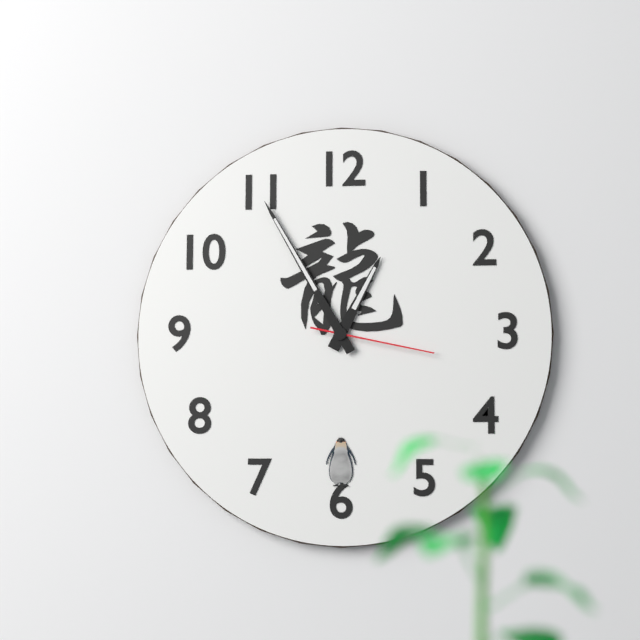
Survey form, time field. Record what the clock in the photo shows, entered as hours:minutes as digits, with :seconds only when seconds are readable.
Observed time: 12:55:17
